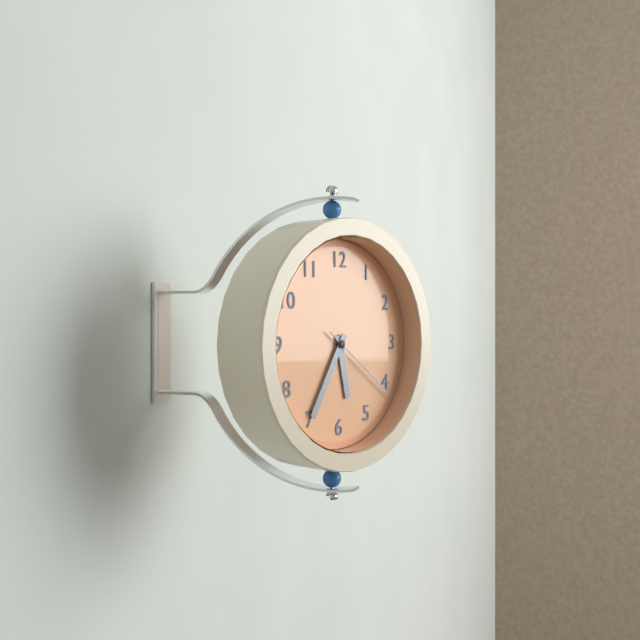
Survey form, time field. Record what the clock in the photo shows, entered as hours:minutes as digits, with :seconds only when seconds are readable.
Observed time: 5:35:21
